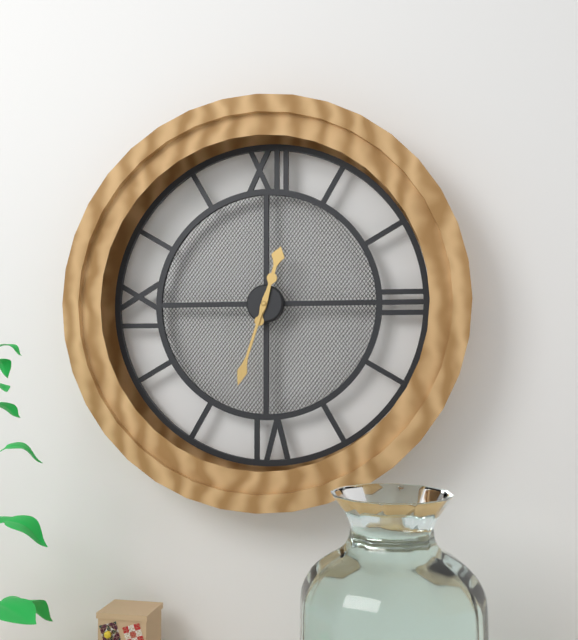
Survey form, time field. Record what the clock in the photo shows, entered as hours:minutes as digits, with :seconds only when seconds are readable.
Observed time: 12:33
